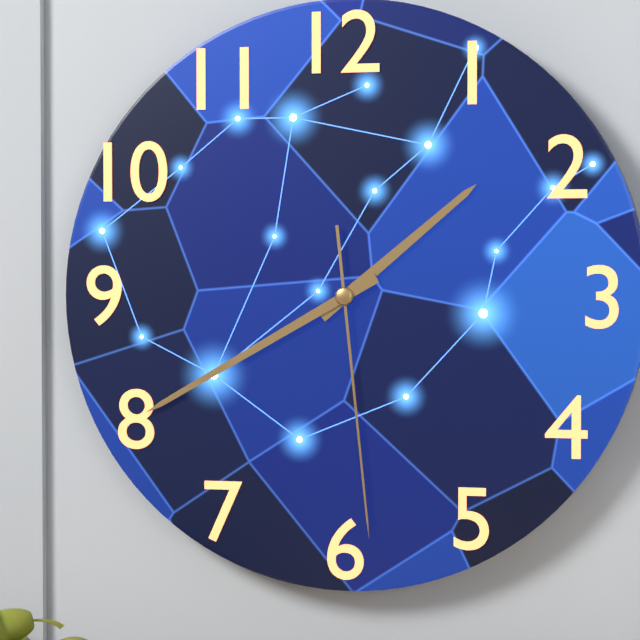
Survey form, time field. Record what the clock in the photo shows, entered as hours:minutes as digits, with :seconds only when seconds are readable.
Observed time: 1:40:29
